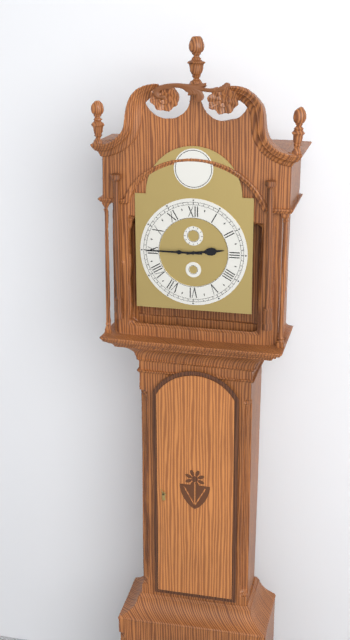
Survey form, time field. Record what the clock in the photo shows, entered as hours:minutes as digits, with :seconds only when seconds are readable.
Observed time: 2:45
